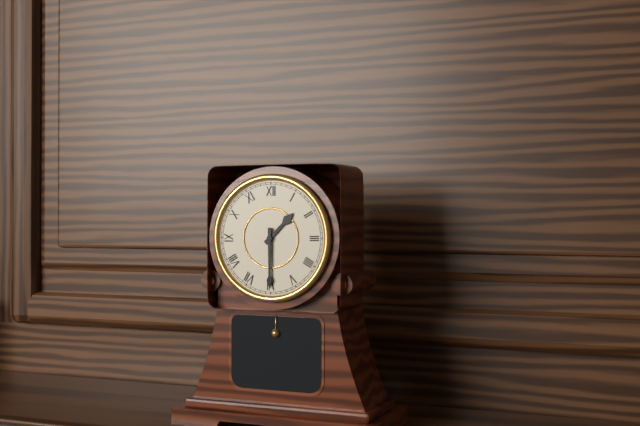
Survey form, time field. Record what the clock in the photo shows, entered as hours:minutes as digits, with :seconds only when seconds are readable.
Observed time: 1:30
